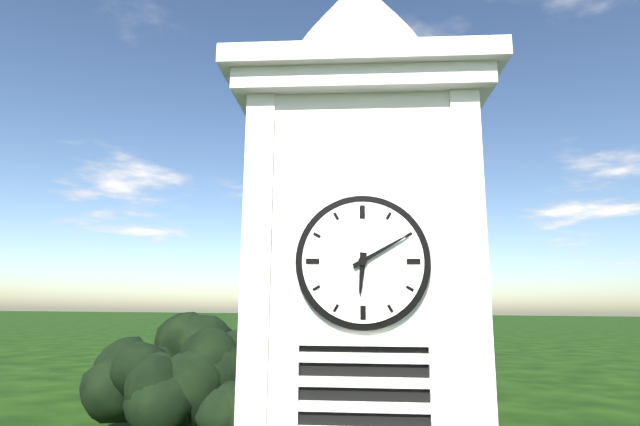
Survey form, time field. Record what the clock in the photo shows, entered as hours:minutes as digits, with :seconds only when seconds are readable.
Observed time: 6:10
